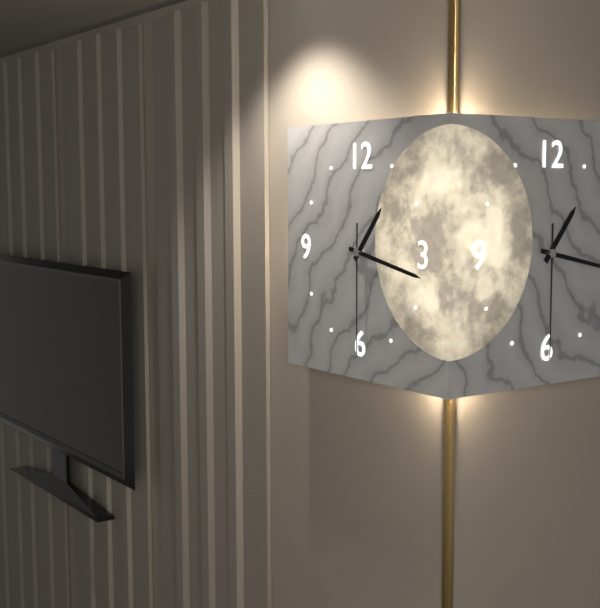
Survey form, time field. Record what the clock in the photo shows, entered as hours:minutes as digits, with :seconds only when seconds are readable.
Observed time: 1:17:30
